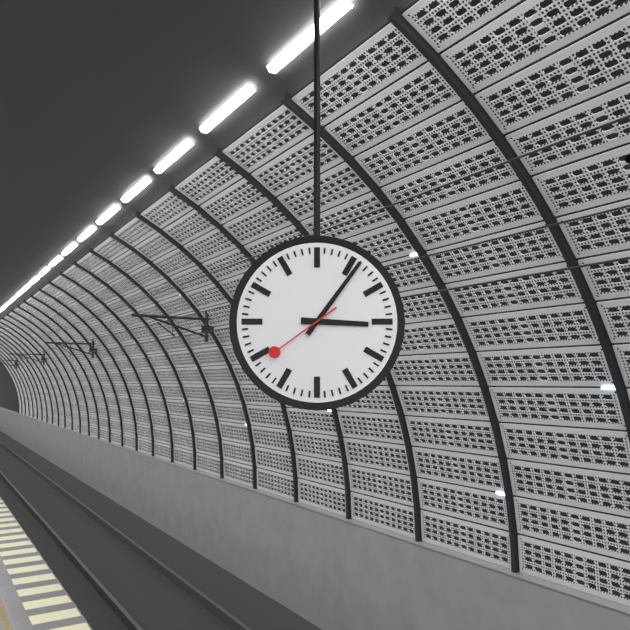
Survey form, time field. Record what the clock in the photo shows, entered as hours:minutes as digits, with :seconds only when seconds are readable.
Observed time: 3:06:39
